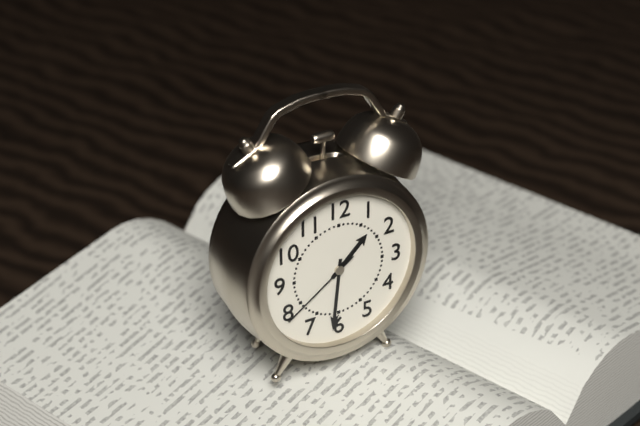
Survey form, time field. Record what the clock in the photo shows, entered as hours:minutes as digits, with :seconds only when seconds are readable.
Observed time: 1:31:39
